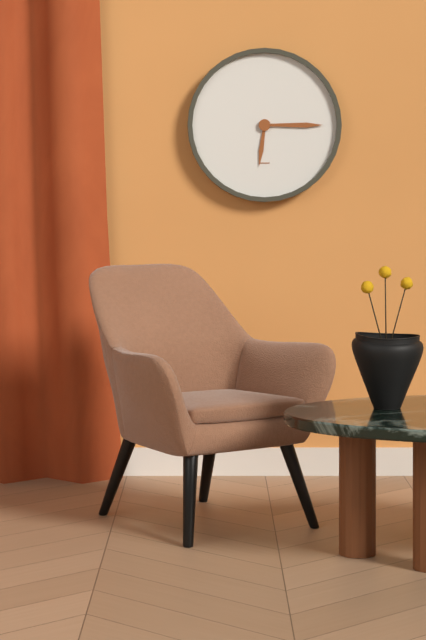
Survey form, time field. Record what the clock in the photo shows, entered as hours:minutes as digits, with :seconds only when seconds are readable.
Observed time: 6:15
